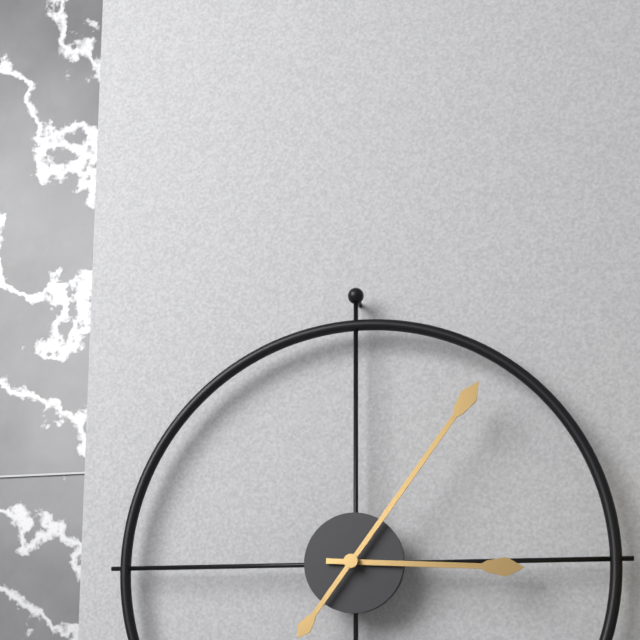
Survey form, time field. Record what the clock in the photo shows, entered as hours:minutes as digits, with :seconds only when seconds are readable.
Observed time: 3:06
